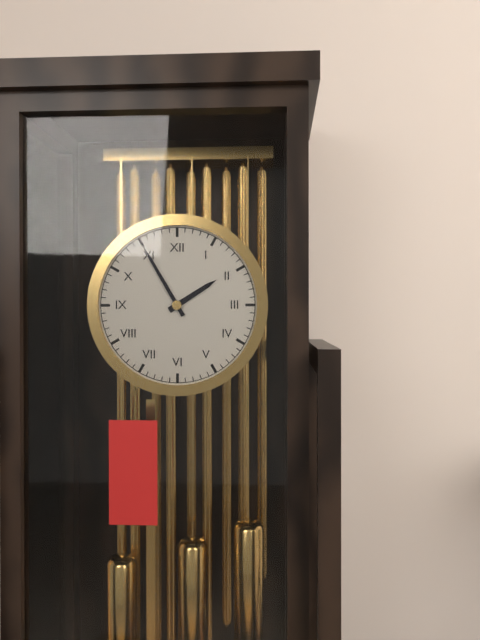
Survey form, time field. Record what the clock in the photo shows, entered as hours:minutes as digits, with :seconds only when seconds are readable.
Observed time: 1:55
